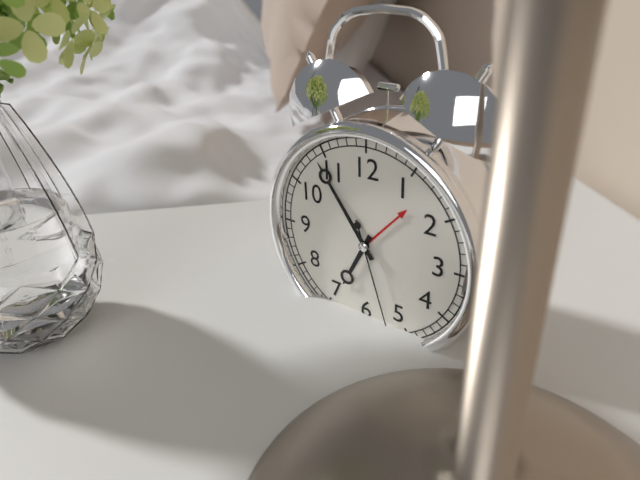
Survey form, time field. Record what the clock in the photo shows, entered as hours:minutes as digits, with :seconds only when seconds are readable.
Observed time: 6:54:27
